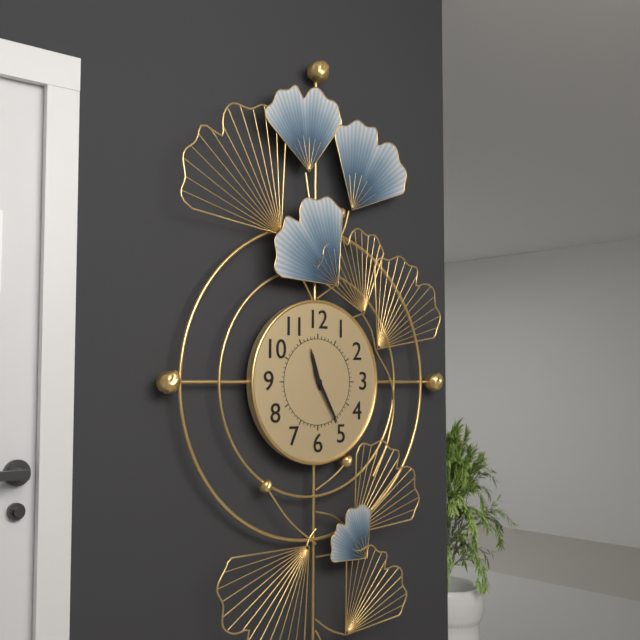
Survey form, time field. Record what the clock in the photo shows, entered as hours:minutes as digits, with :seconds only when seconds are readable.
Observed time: 11:25
